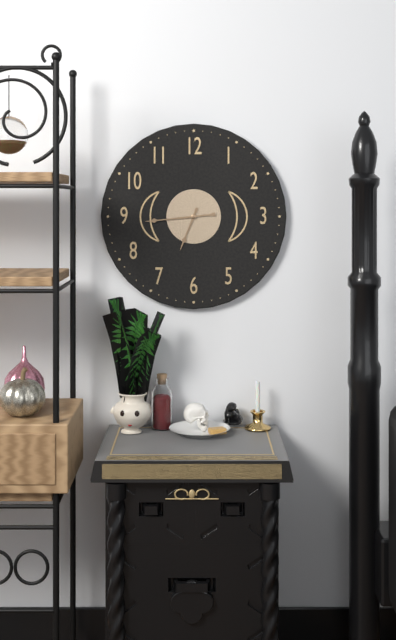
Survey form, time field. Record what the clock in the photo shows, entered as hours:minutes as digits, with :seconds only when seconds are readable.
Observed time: 6:44
